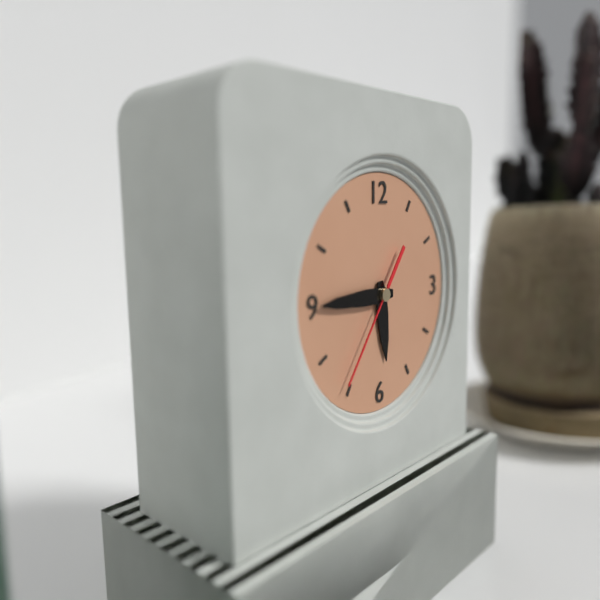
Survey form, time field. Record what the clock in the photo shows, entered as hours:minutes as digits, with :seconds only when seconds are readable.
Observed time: 5:45:36
